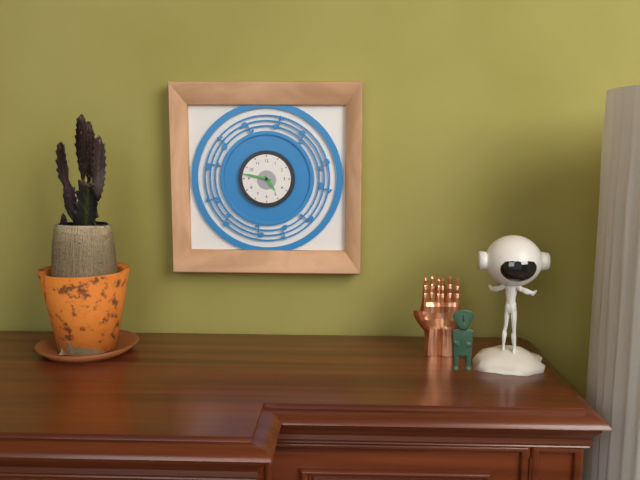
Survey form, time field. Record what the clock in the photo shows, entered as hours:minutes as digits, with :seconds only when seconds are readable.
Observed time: 4:47
